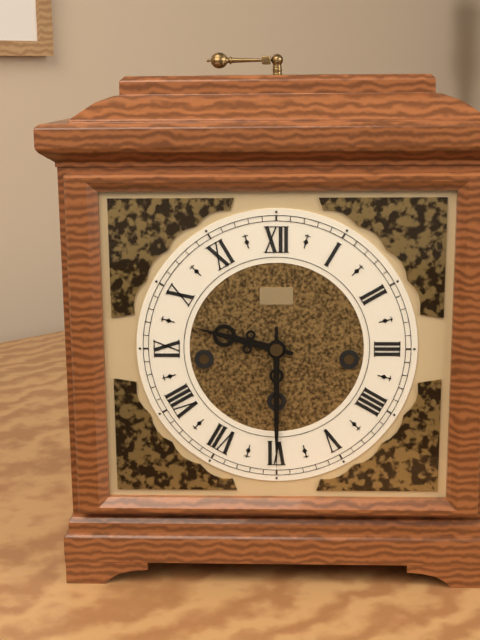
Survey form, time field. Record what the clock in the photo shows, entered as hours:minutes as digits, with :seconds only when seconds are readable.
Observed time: 9:30
